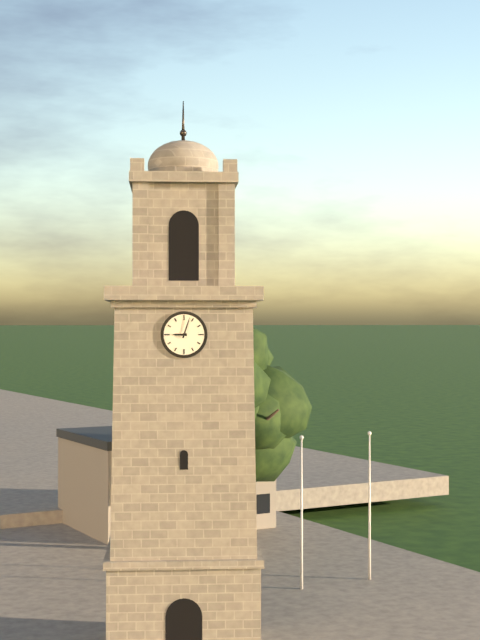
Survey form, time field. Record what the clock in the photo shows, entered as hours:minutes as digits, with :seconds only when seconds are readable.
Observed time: 9:03
